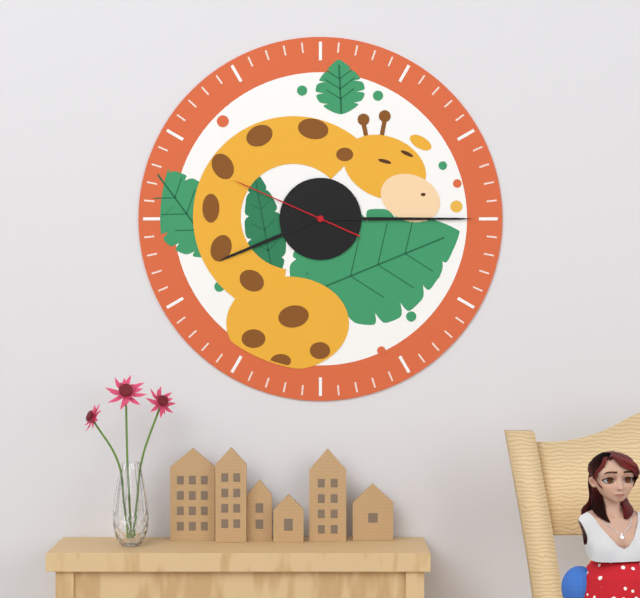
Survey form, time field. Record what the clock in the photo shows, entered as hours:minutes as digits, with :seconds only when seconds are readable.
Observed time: 8:15:49
